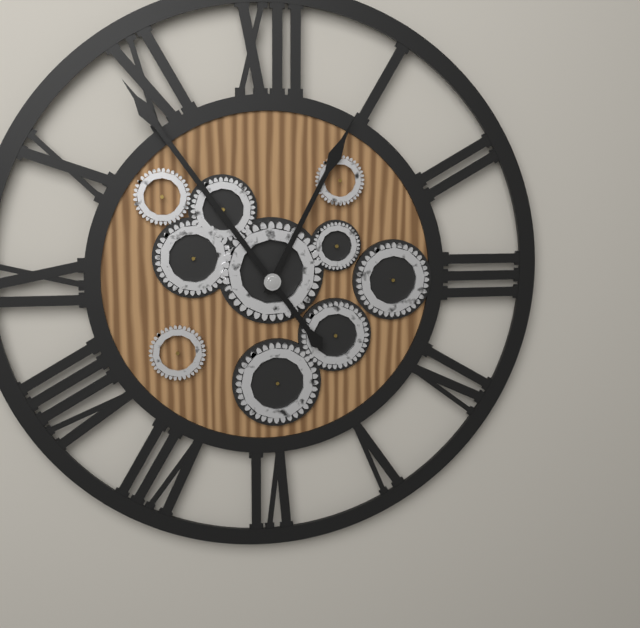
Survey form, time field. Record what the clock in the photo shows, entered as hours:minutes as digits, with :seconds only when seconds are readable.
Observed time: 12:54
